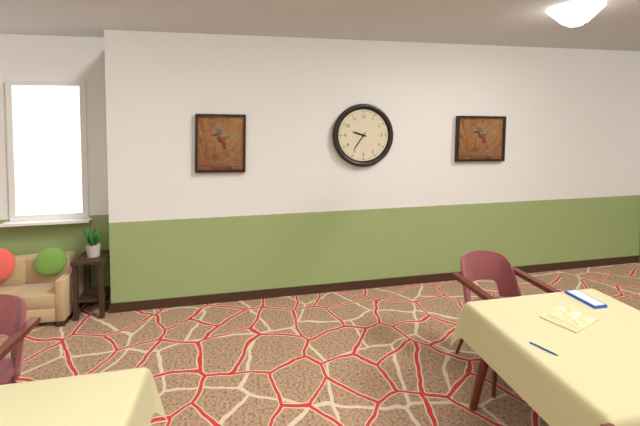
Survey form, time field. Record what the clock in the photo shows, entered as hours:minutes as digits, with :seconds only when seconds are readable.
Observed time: 9:36
